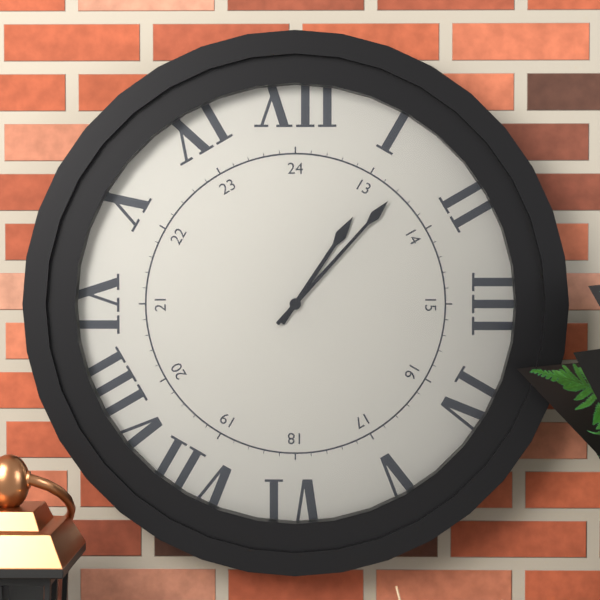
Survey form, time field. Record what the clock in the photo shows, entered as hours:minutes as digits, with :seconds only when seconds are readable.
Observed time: 1:07
